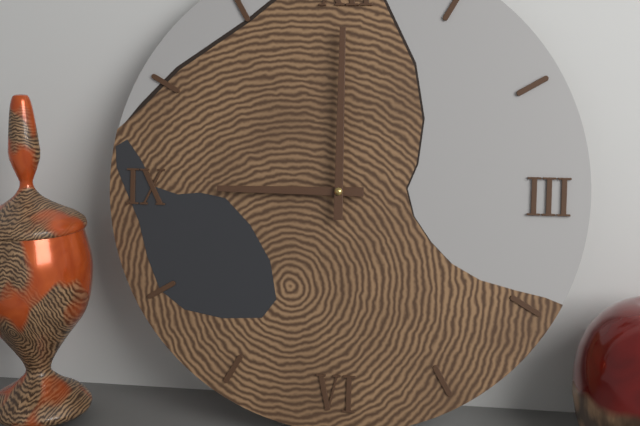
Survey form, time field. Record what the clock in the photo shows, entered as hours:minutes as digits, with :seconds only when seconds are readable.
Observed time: 9:00
